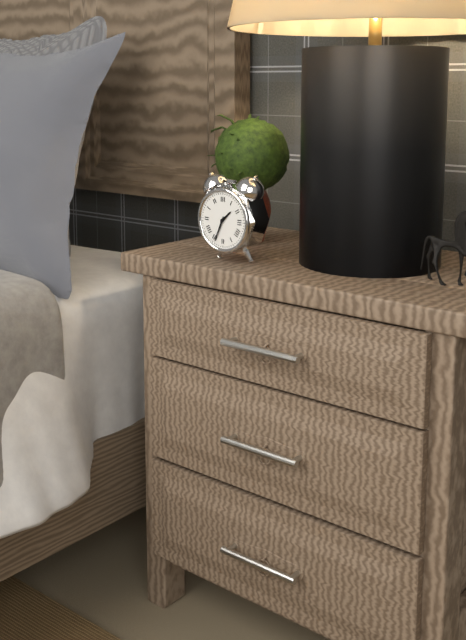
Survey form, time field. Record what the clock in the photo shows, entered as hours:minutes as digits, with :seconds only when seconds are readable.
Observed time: 1:34
